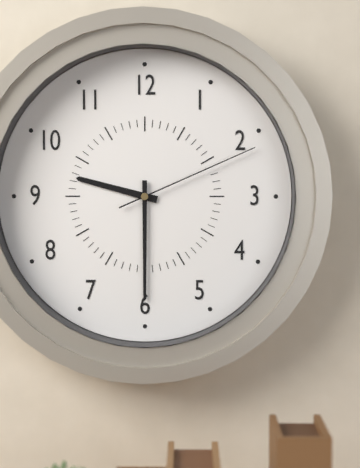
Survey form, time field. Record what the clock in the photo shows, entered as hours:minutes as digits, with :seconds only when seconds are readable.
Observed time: 9:30:11
